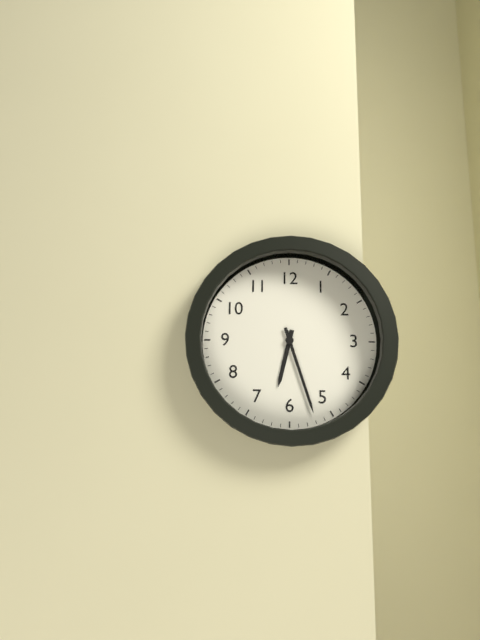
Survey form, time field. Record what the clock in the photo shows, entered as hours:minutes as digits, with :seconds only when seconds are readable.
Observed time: 6:27
